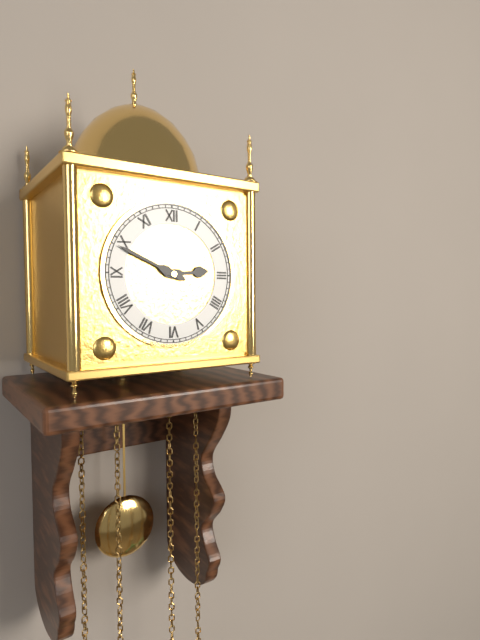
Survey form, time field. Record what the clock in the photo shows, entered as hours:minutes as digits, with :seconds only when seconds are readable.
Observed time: 2:49
